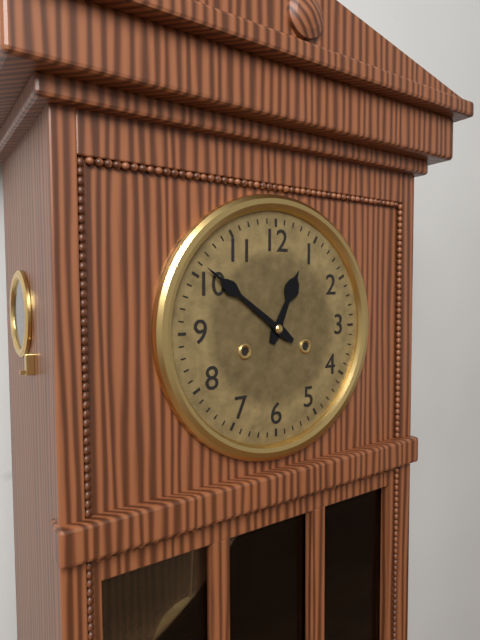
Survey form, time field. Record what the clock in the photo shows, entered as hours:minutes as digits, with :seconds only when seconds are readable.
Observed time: 12:51
